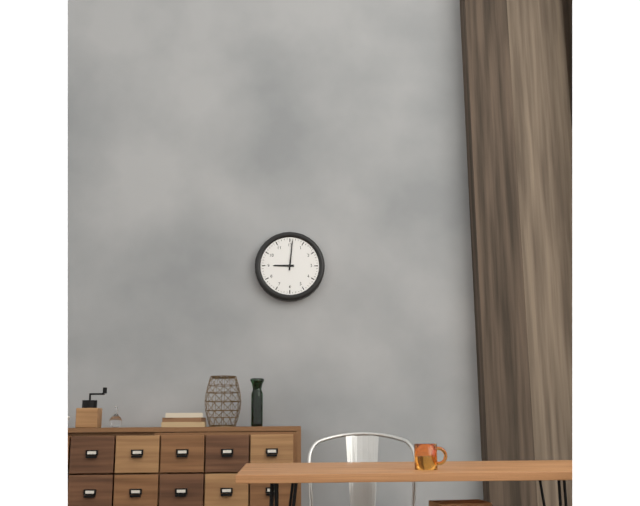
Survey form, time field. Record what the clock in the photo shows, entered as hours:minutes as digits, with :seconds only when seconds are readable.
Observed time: 9:01
